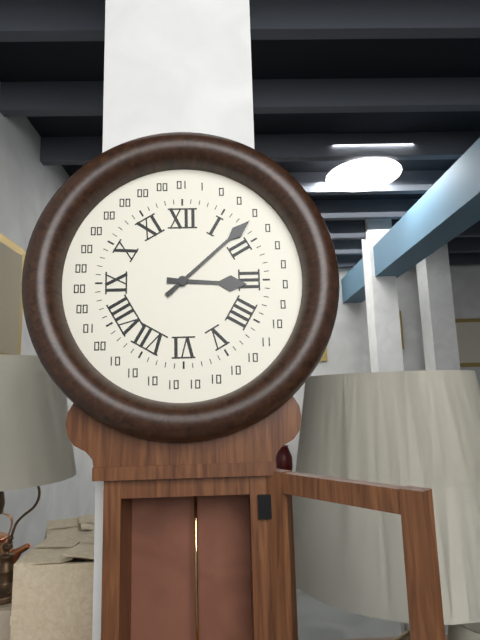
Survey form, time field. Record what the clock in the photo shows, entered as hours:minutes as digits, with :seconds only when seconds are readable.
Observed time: 3:08
